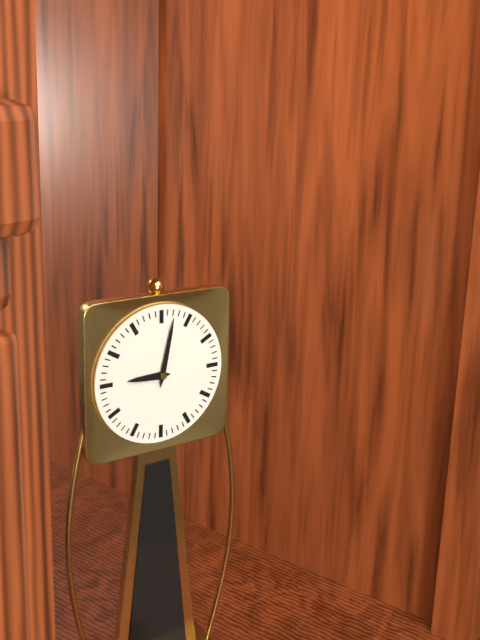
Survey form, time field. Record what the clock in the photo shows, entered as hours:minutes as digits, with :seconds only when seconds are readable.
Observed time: 9:02
